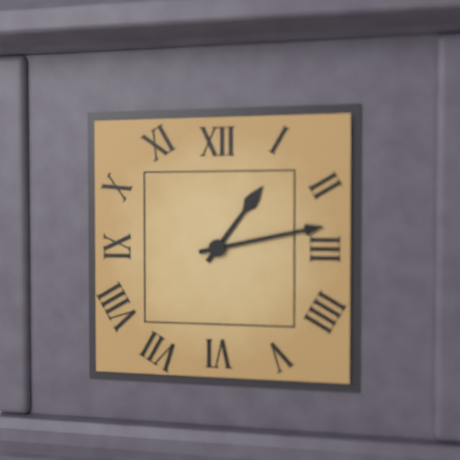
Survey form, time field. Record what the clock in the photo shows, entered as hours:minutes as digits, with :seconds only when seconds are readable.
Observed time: 1:13
